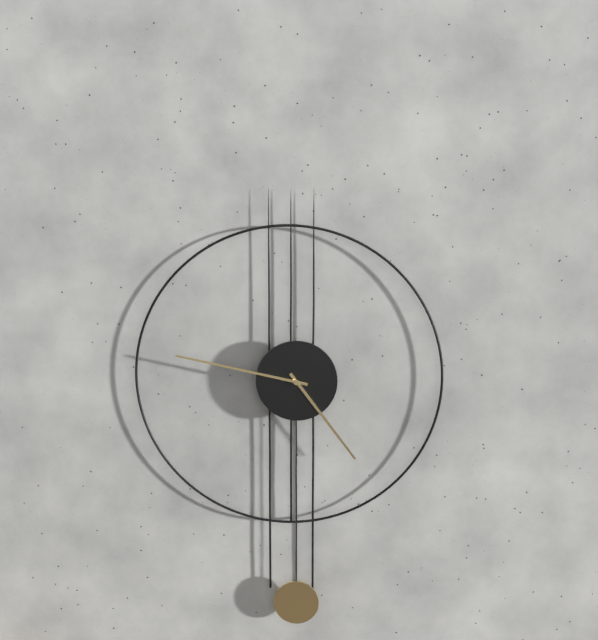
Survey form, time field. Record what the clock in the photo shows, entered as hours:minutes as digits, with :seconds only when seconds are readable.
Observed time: 4:47
